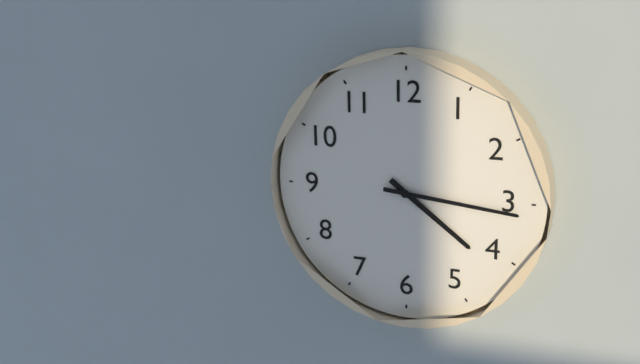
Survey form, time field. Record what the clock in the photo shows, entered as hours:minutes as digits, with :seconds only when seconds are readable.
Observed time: 4:16
